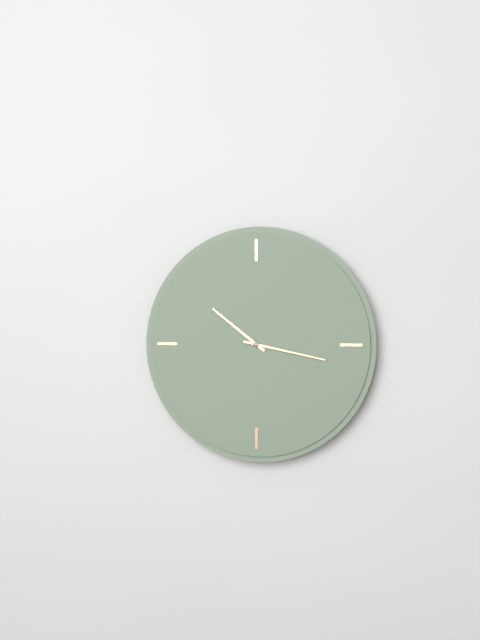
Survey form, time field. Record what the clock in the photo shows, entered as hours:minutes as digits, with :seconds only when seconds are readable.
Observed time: 10:17
